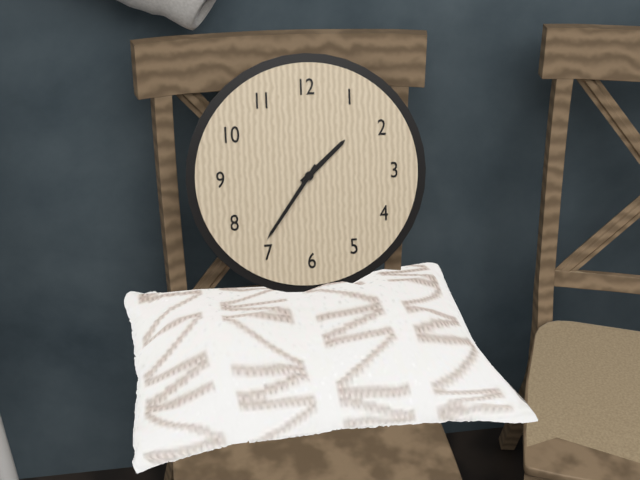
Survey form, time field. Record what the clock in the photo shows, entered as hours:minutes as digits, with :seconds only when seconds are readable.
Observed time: 1:36
